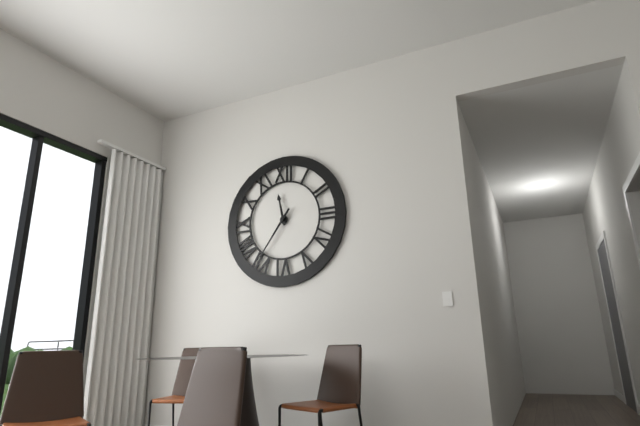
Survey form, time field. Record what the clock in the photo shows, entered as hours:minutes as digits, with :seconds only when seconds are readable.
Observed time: 11:36
